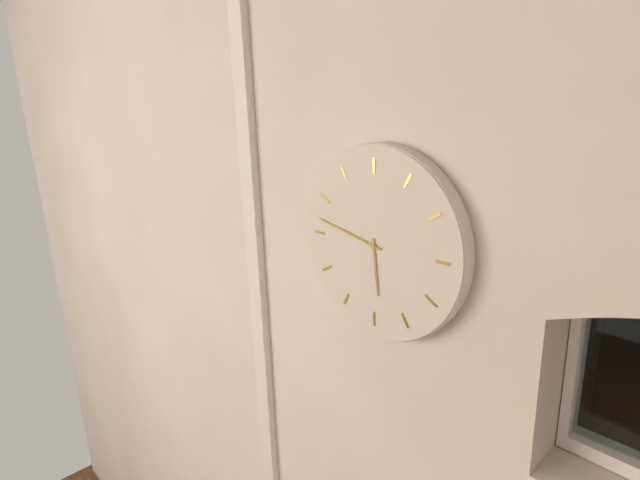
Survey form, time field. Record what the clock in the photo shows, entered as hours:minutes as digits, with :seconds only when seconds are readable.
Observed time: 5:47
